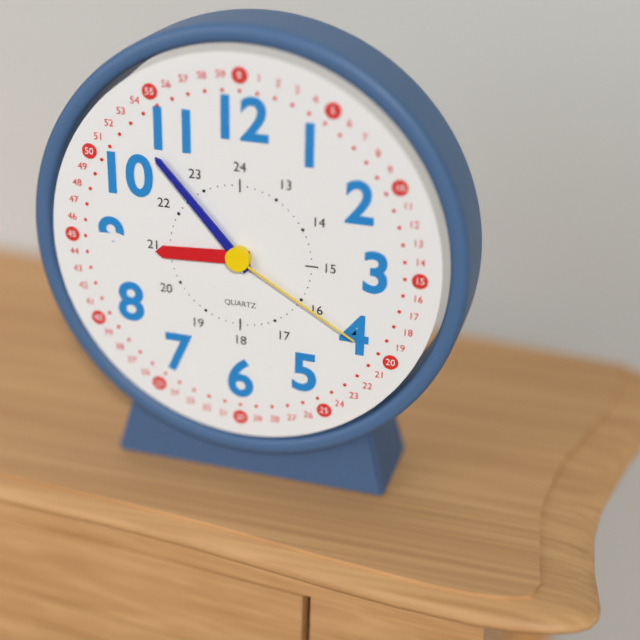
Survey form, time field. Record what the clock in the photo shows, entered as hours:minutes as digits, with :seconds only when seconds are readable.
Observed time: 8:53:20
